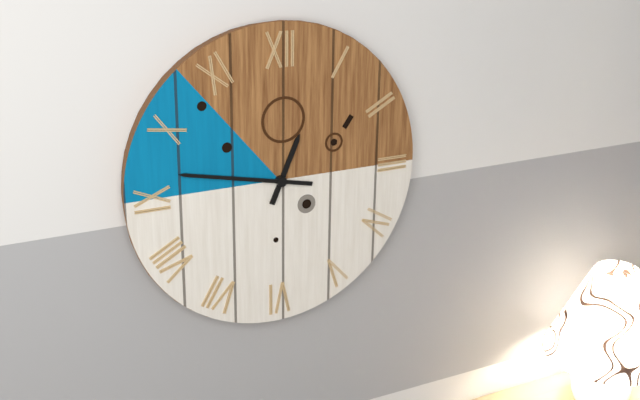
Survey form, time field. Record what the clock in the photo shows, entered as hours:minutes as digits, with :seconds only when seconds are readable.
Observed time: 12:47
